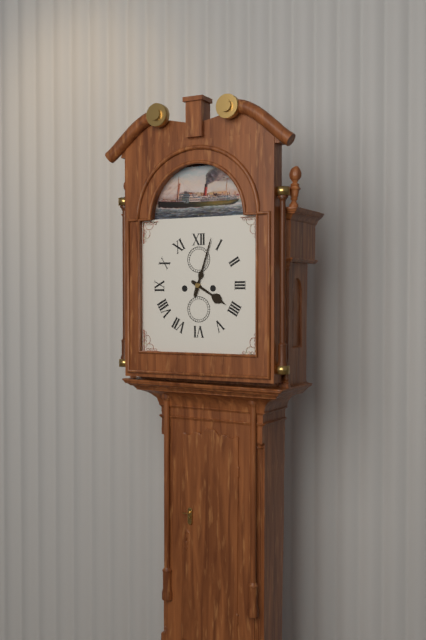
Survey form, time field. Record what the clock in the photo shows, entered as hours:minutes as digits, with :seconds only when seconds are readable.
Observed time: 4:03
